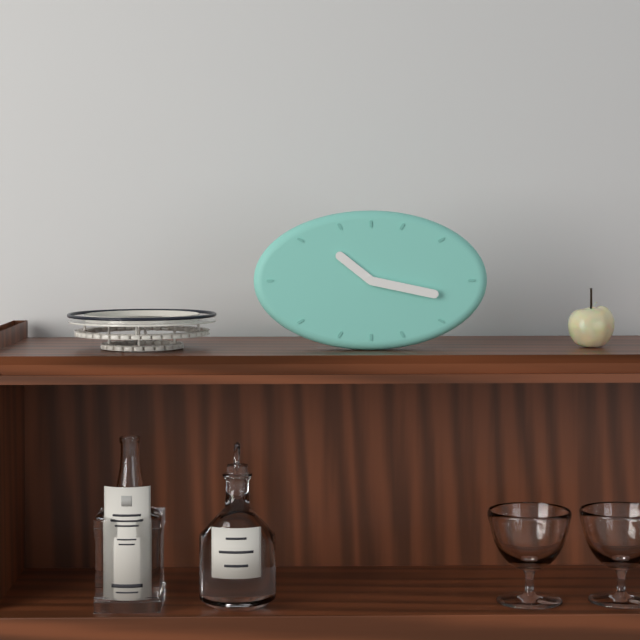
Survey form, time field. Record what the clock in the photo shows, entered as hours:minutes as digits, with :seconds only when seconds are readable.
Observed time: 10:17
